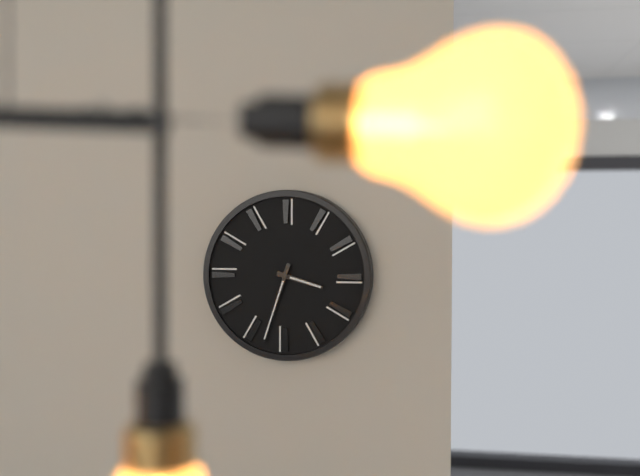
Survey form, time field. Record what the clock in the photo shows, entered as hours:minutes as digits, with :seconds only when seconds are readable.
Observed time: 3:33
